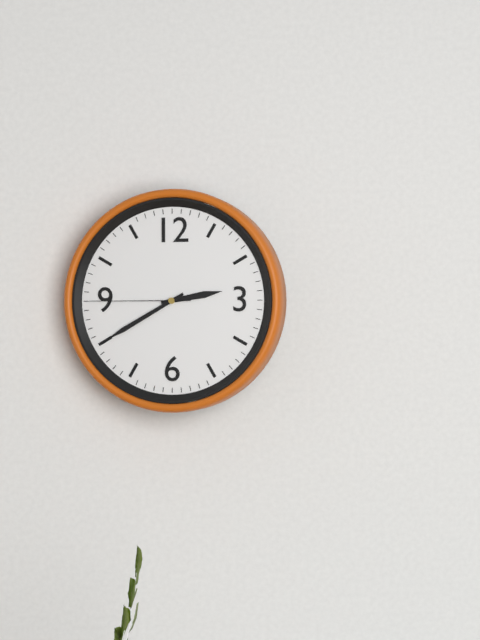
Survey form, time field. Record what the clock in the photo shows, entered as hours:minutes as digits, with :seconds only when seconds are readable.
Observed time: 2:40:45
